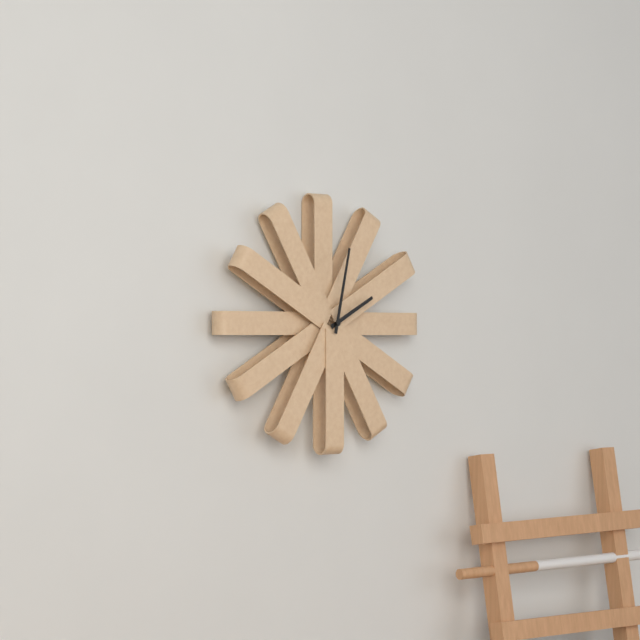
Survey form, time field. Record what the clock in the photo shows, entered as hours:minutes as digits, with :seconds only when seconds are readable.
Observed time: 2:02
